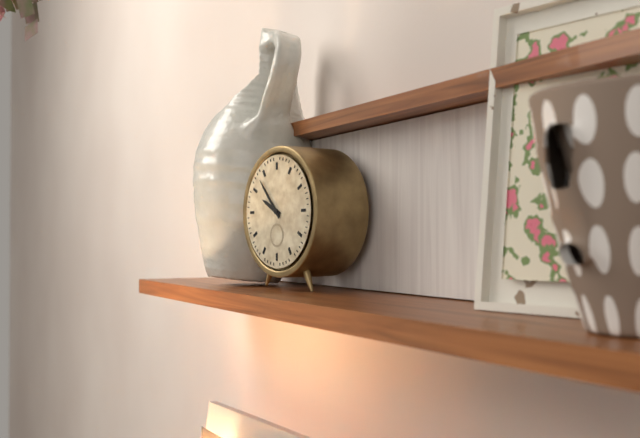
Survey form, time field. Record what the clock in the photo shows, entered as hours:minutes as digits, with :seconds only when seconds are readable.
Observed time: 9:53
